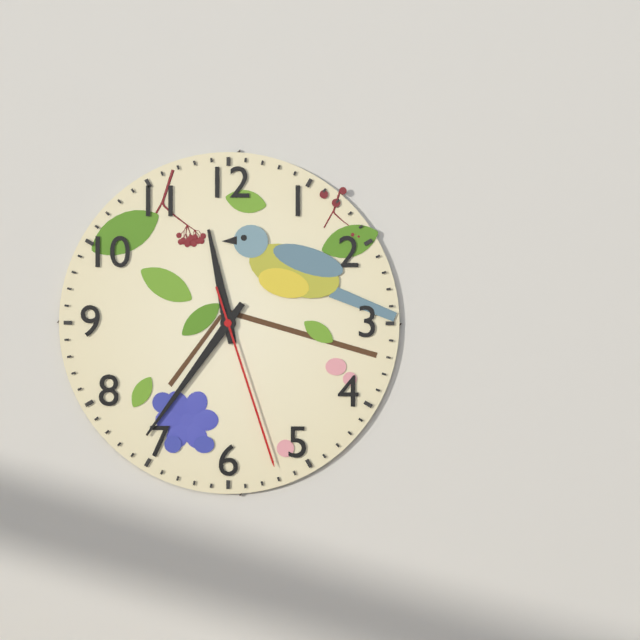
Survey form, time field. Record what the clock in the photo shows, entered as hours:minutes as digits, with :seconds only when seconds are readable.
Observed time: 11:36:27
